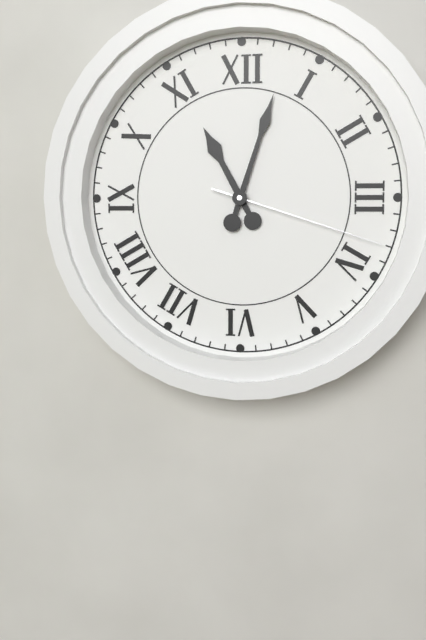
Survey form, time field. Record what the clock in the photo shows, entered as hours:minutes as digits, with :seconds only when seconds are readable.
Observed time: 11:03:18
